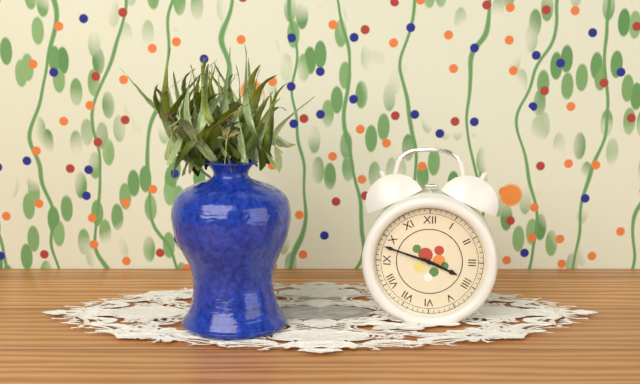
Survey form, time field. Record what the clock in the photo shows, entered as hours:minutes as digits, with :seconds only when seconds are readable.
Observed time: 3:48
